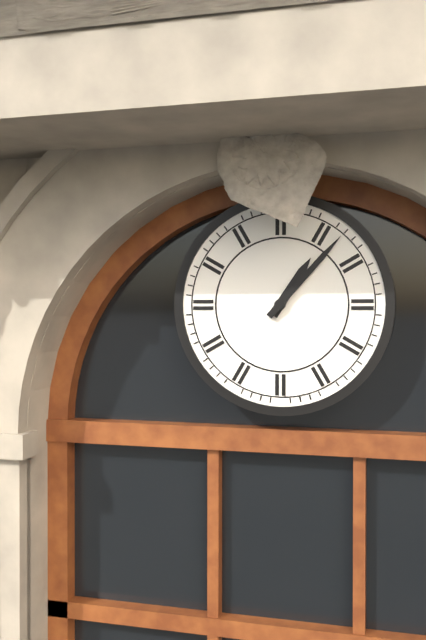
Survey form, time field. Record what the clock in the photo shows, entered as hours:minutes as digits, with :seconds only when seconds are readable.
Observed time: 1:07
